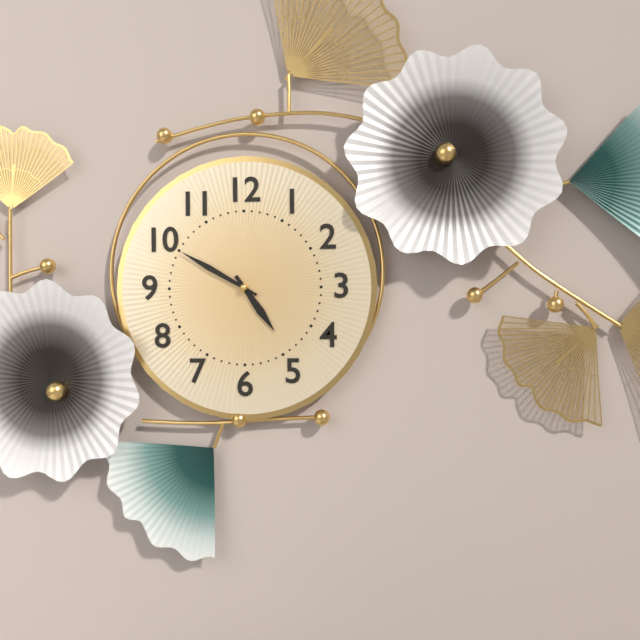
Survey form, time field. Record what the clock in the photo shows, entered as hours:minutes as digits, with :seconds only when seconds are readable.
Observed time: 4:50
